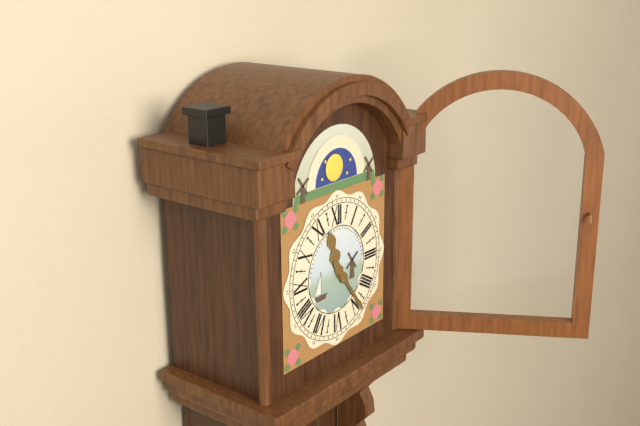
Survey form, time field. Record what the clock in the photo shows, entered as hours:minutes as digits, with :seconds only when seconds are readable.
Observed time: 11:24
